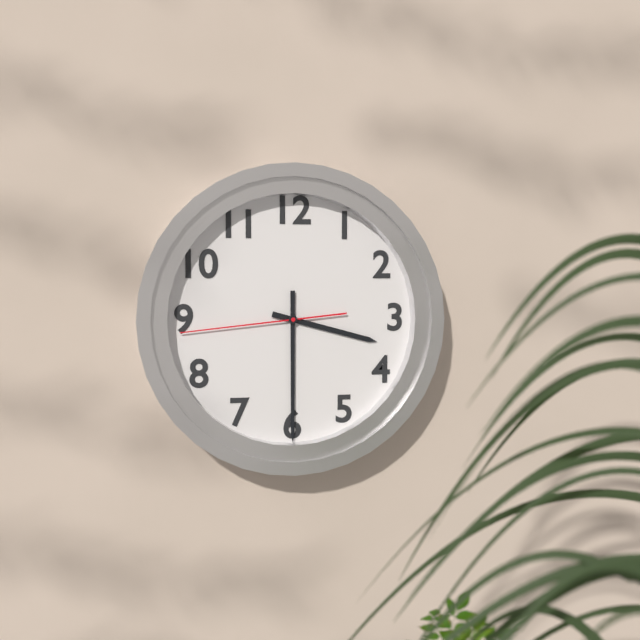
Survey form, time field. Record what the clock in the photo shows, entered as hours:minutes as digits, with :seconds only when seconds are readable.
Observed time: 3:30:44
